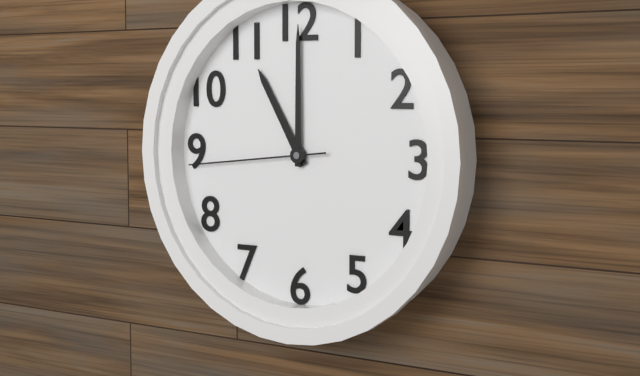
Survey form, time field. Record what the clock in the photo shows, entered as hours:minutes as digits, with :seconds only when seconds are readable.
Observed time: 11:00:44
